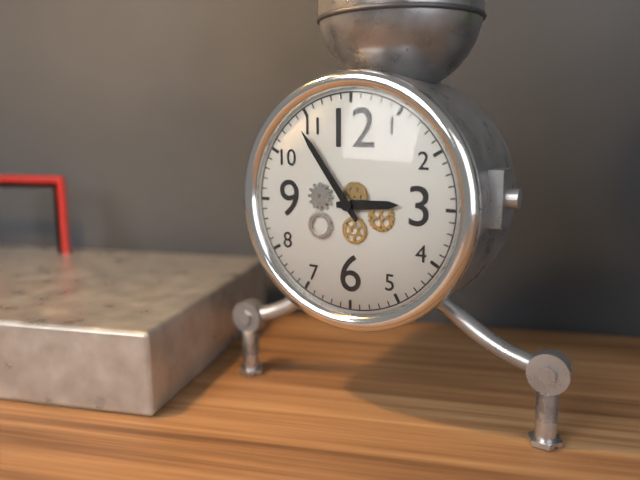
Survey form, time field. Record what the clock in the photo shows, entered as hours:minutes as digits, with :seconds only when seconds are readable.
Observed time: 2:54
